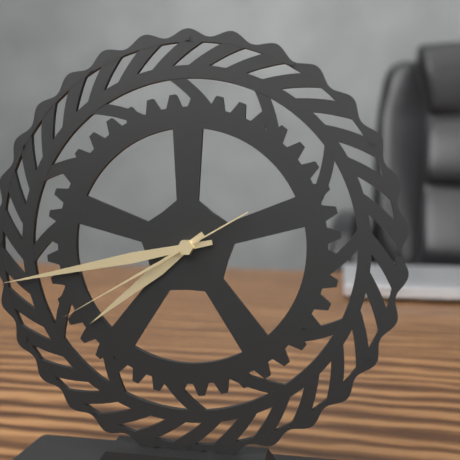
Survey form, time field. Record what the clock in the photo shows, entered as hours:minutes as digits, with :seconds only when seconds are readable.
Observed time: 7:43:40
